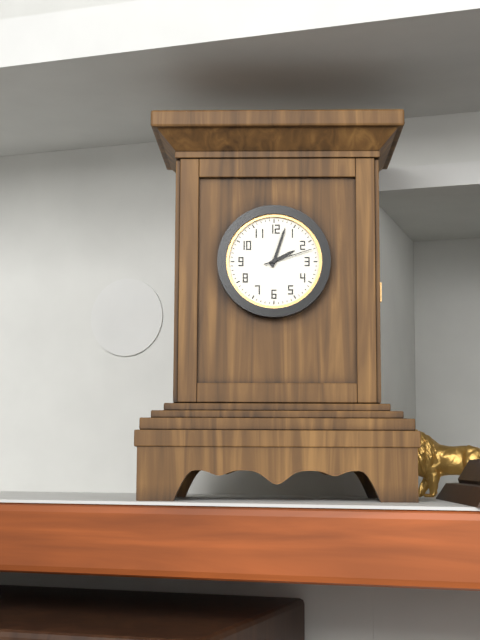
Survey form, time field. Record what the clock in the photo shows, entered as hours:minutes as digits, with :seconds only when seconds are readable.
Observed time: 2:03:12
